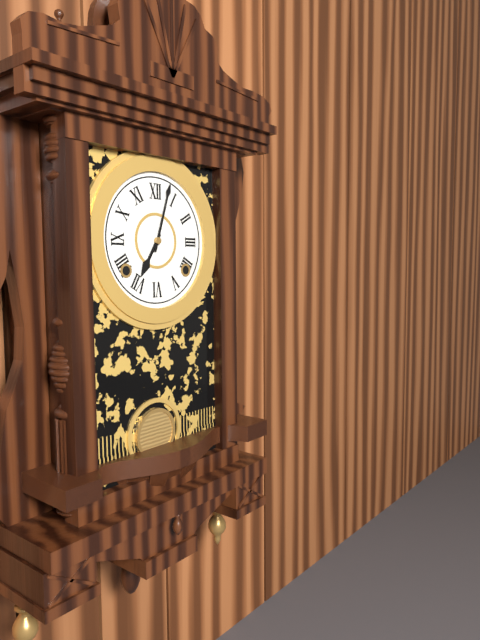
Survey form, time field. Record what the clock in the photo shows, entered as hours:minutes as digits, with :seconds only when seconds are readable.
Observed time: 7:03
